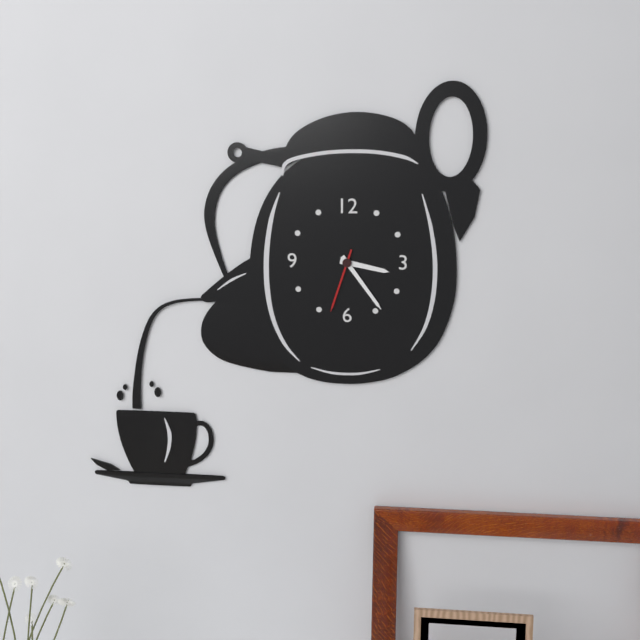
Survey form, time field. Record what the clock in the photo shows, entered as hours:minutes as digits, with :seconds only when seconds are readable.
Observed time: 3:24:33
